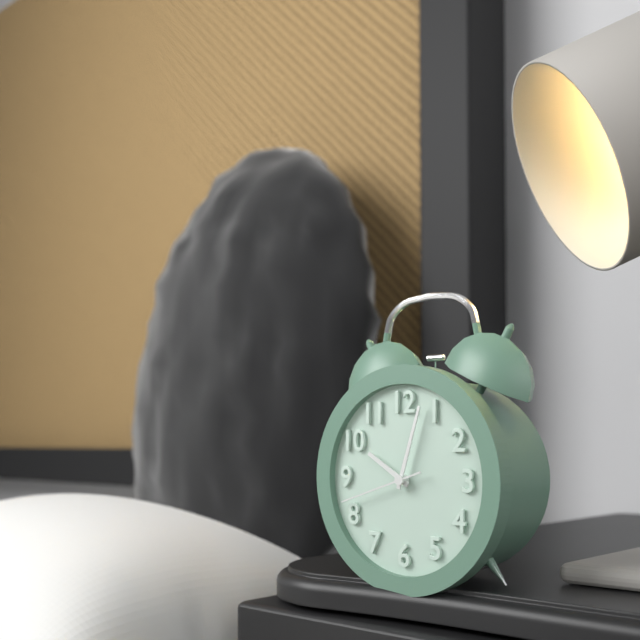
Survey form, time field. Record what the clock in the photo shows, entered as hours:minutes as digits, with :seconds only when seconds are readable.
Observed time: 10:03:42
